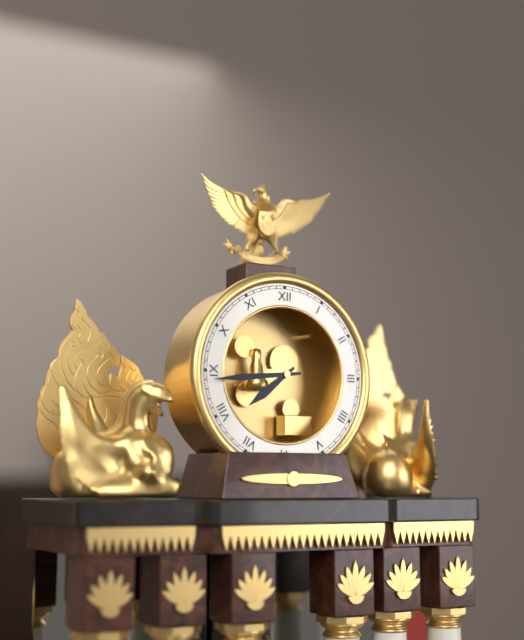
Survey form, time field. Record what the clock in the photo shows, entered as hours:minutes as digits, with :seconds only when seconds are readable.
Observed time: 7:44
